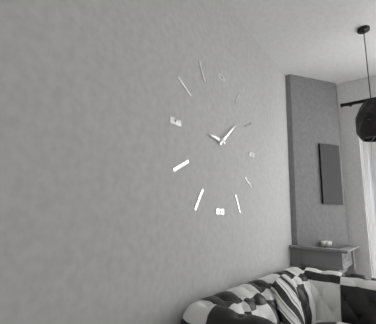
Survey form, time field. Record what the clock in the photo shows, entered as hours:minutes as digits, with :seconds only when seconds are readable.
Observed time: 9:08
